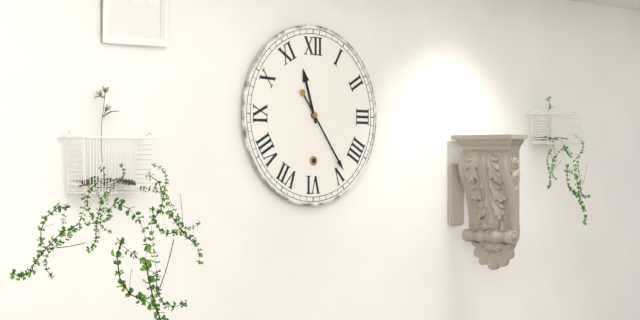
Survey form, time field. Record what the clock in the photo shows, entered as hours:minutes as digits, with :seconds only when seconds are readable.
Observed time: 11:24
